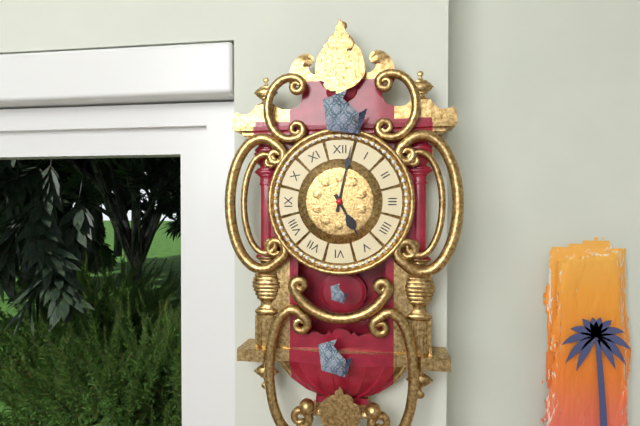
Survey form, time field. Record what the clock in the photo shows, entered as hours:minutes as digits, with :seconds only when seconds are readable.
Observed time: 5:02
